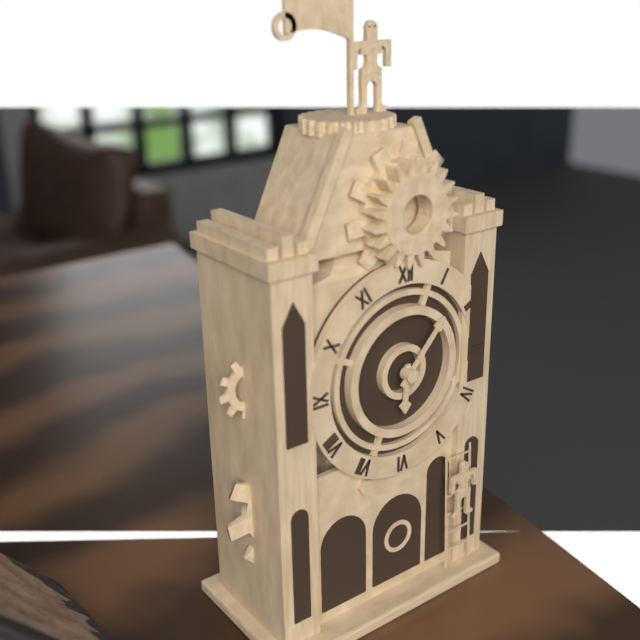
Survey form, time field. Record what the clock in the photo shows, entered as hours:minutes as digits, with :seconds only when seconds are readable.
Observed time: 6:07
